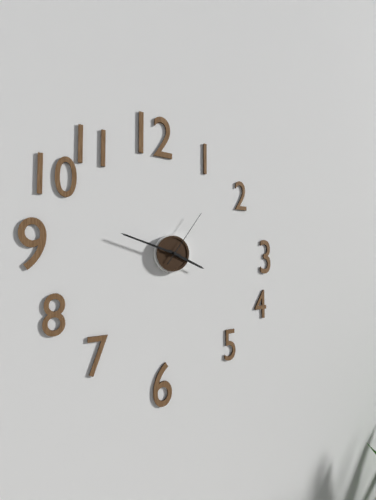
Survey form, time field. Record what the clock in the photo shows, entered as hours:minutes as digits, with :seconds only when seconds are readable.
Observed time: 3:48:06
